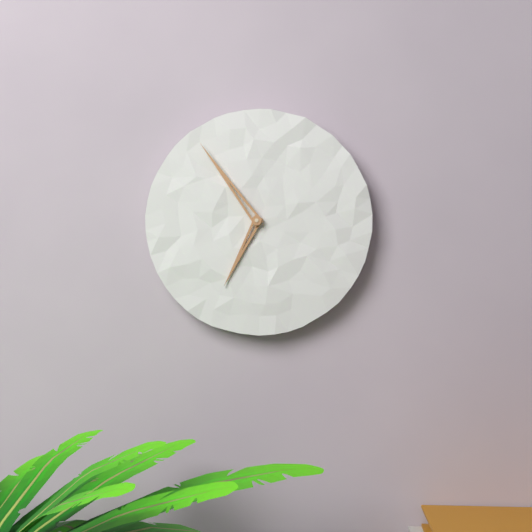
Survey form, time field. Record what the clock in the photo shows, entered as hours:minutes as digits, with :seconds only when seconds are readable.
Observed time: 6:54
